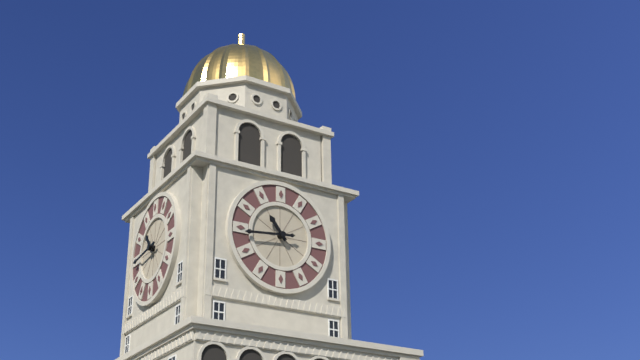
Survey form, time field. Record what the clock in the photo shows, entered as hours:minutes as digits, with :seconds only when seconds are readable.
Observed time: 10:44
